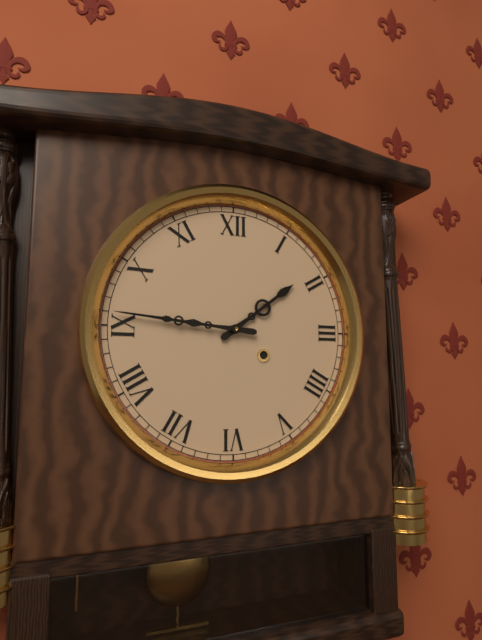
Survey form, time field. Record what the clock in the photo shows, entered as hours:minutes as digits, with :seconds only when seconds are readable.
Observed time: 1:46
